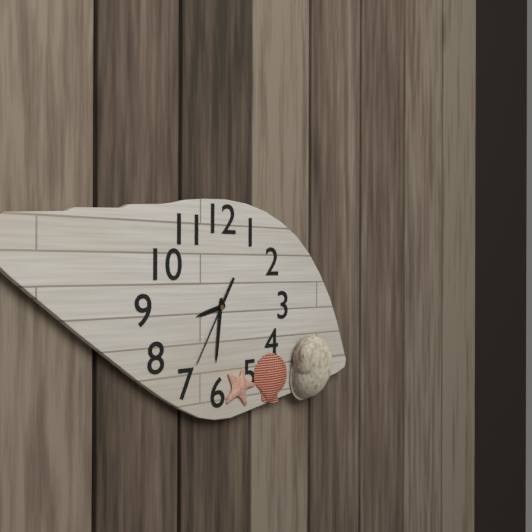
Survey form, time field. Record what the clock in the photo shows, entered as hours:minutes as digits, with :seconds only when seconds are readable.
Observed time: 8:31:35
